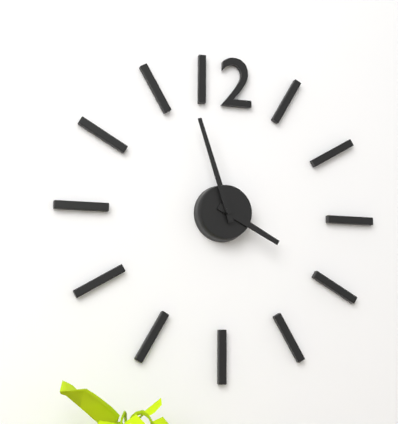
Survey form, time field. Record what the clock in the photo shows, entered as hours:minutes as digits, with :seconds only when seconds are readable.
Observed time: 3:57
